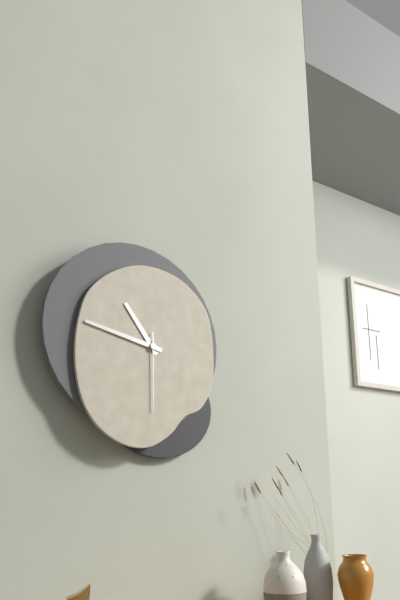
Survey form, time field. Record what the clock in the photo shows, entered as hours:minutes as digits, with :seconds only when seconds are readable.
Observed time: 10:47:30
